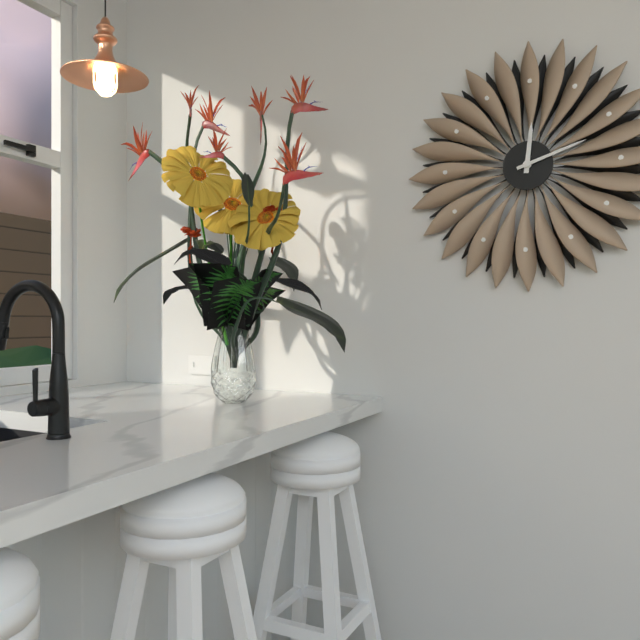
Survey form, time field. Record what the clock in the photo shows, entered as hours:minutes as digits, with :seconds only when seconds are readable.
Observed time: 12:12
